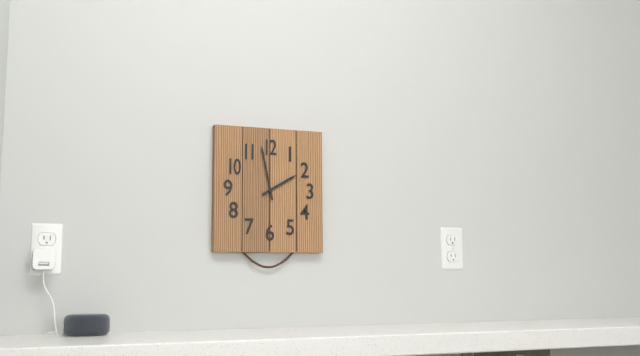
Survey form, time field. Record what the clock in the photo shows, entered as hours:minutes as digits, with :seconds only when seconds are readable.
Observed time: 1:58
